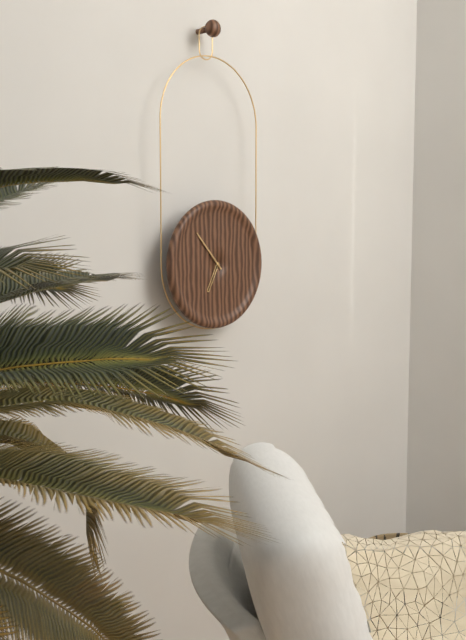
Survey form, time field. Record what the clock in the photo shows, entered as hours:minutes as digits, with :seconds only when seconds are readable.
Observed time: 6:53
